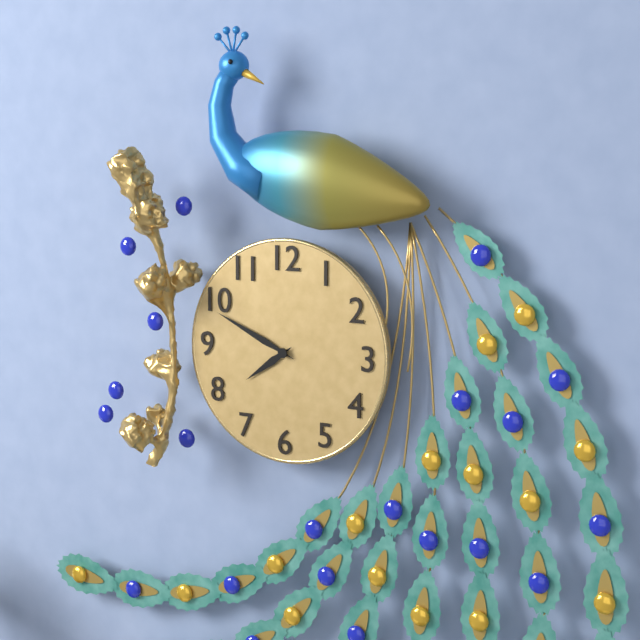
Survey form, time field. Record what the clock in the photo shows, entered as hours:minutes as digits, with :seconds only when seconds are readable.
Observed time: 7:49
